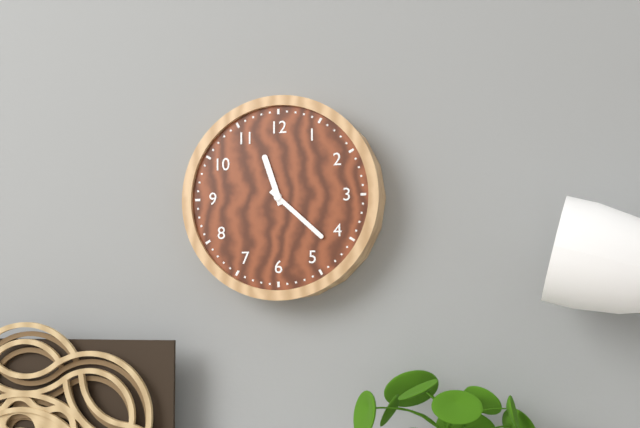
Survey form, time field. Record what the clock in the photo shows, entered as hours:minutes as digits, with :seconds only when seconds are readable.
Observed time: 11:22
